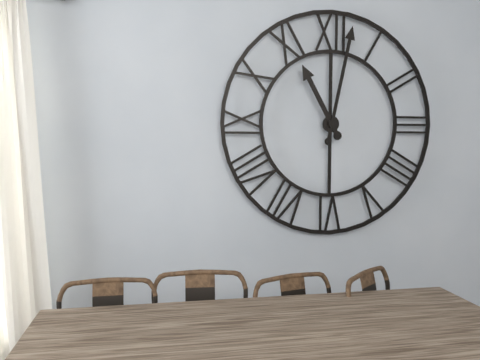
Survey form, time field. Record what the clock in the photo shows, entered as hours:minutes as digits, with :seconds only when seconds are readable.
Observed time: 11:02
